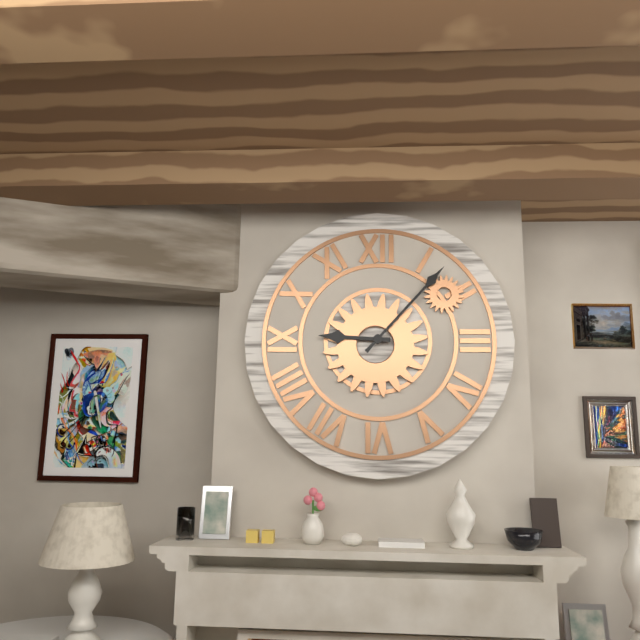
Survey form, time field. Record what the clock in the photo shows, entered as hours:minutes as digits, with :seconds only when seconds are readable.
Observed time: 9:07
